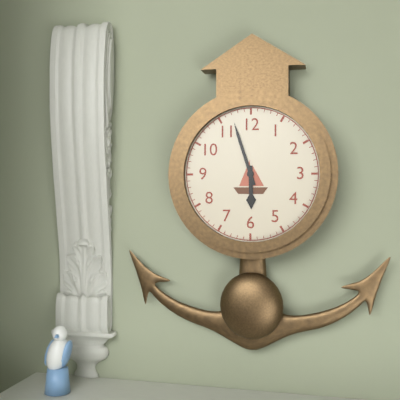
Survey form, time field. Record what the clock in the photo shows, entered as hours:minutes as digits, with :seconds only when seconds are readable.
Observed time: 5:57
